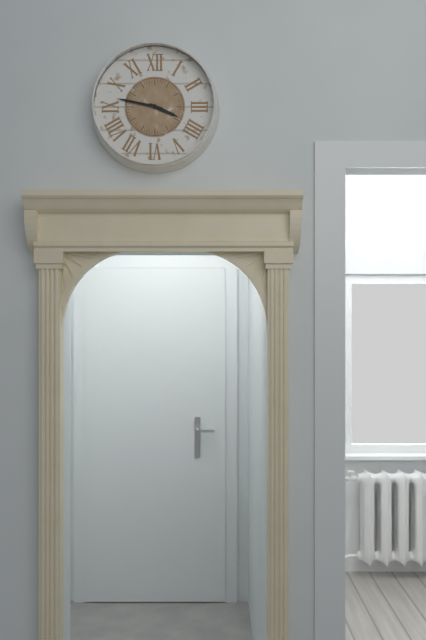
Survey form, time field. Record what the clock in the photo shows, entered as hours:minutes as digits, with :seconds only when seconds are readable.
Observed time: 3:47
